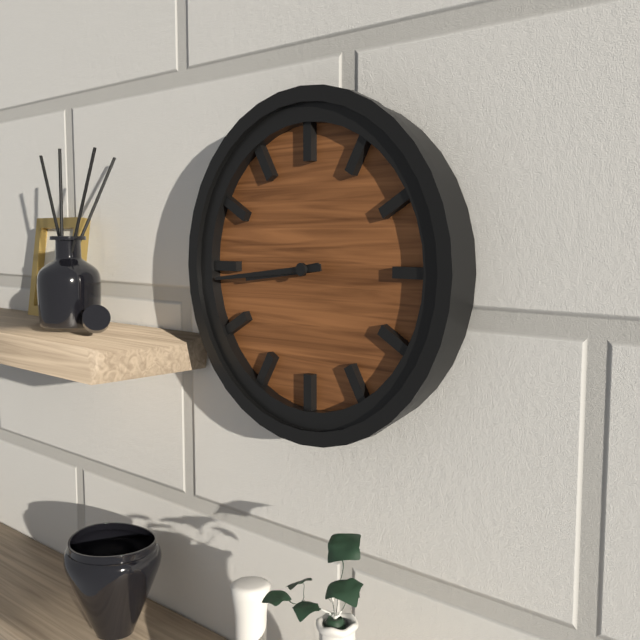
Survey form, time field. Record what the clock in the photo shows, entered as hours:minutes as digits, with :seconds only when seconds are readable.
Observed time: 8:44
